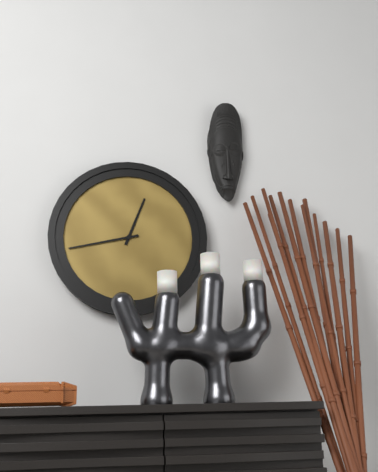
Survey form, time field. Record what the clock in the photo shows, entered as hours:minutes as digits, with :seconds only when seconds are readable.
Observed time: 12:43
